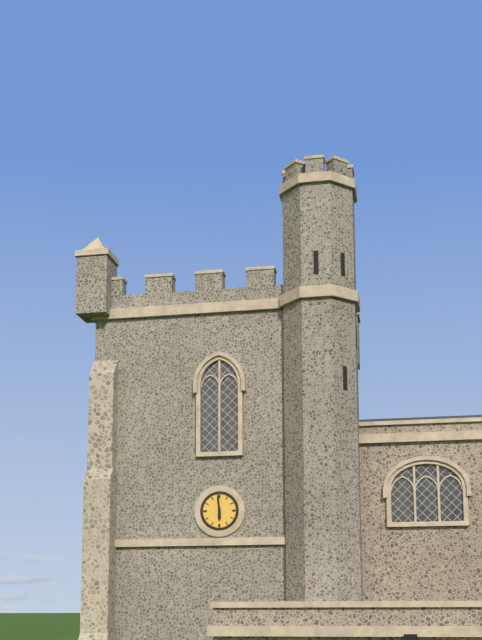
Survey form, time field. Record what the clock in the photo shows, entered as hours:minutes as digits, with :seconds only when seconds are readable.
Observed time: 5:59
